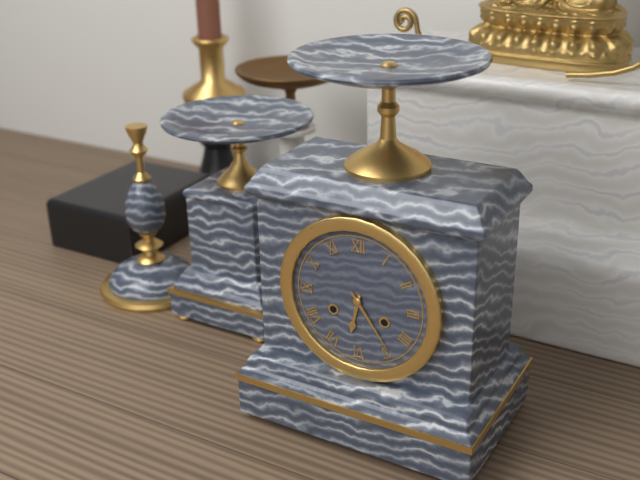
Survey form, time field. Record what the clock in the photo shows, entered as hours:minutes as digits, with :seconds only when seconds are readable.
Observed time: 6:24
